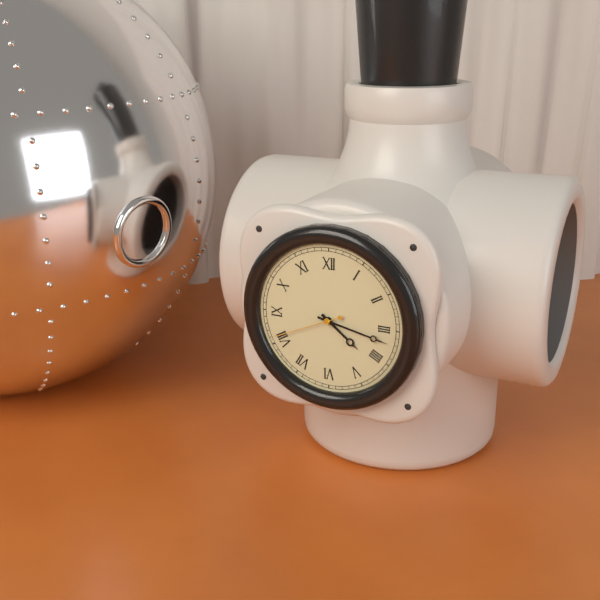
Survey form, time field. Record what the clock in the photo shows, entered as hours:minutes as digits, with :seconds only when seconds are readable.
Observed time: 4:17:41
